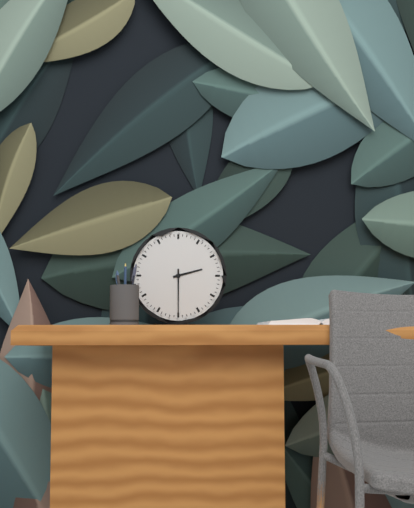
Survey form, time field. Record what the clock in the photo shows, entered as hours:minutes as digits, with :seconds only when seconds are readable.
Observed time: 2:30
